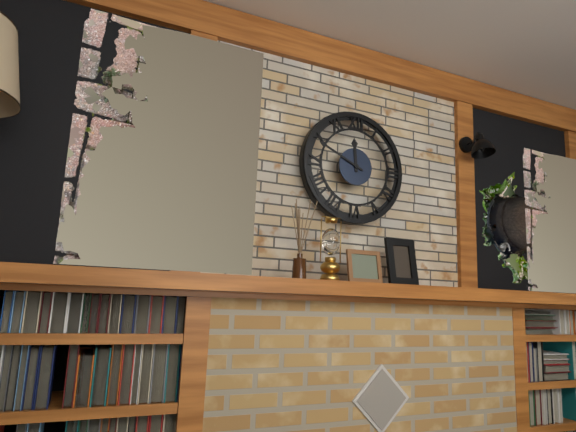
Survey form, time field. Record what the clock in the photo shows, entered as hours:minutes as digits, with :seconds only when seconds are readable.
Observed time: 11:49
